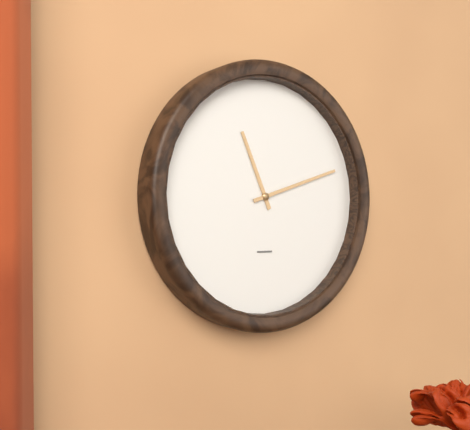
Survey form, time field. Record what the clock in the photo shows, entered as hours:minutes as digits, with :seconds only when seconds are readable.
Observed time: 11:12
